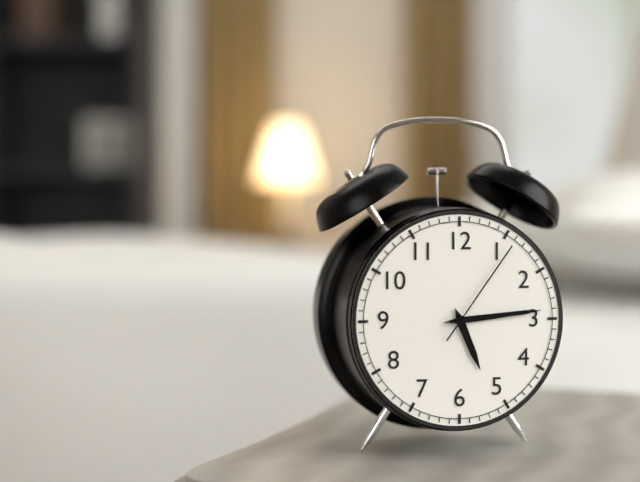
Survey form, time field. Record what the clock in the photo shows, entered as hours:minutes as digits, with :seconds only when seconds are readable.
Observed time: 5:14:06
